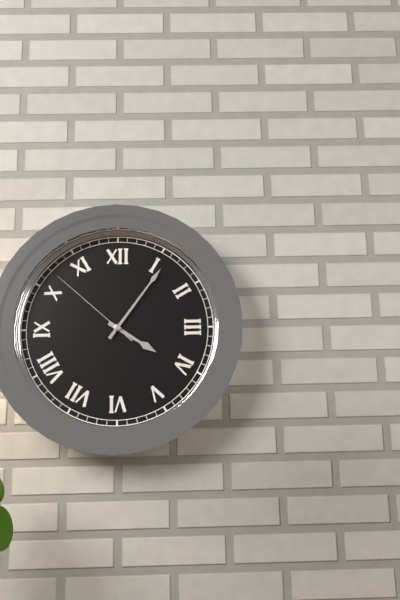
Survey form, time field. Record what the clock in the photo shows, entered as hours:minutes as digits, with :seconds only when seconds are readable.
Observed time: 4:06:52
